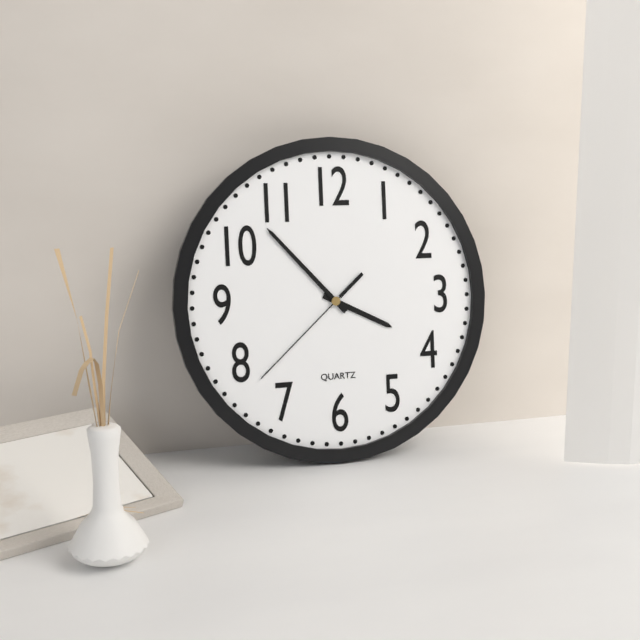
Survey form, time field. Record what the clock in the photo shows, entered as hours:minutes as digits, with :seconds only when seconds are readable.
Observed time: 3:53:38
